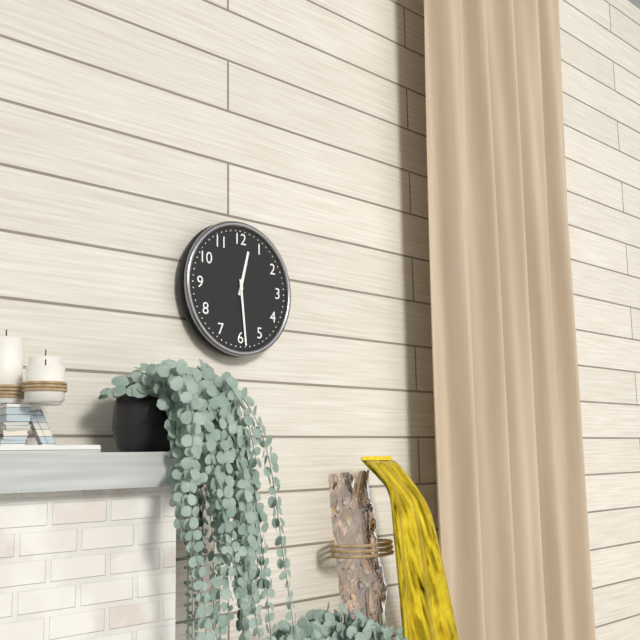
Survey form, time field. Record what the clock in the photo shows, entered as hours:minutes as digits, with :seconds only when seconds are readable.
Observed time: 12:29
